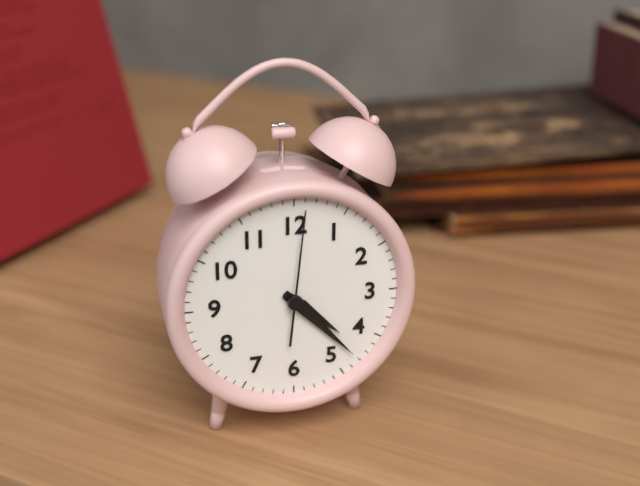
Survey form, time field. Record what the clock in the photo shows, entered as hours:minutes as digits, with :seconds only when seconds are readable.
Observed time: 4:23:01
